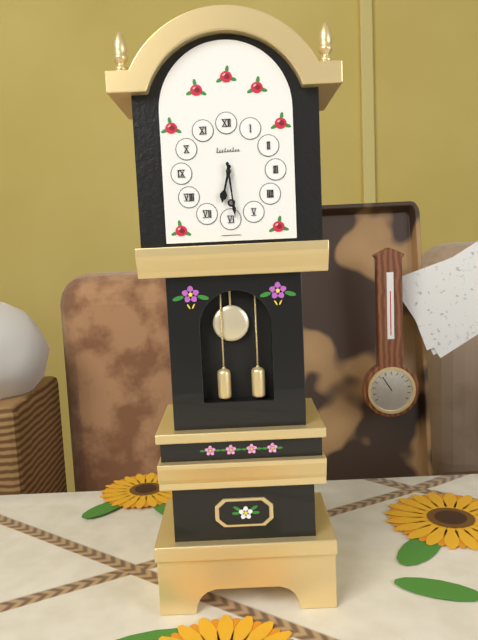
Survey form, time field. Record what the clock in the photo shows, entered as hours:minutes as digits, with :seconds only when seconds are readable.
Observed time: 6:29
